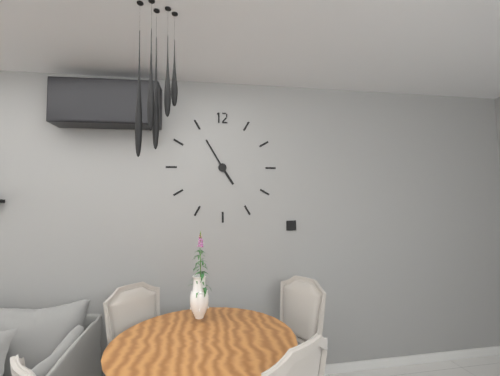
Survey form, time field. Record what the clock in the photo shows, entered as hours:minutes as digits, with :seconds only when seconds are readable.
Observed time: 4:55
